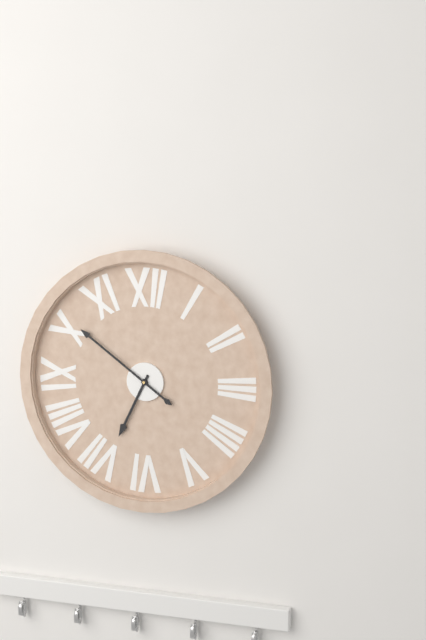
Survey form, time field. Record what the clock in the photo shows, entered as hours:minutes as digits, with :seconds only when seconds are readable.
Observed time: 6:51
